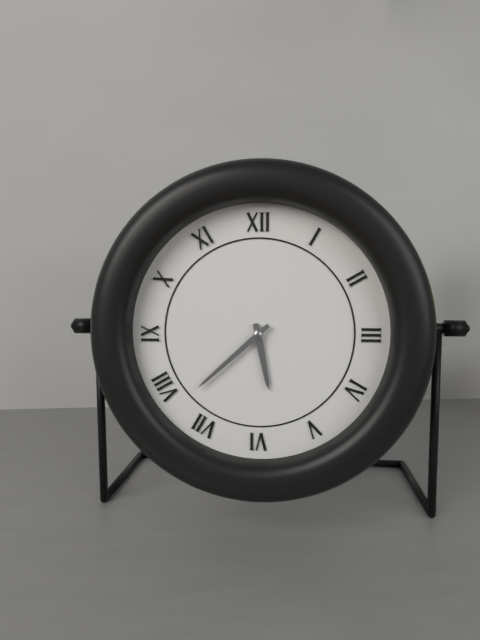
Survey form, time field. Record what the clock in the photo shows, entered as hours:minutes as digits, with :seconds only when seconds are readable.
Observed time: 5:38
